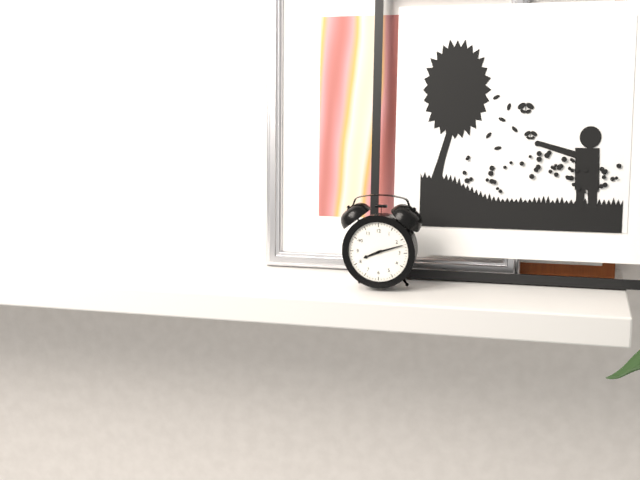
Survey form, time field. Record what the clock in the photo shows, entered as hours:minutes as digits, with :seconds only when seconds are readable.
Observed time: 8:12
